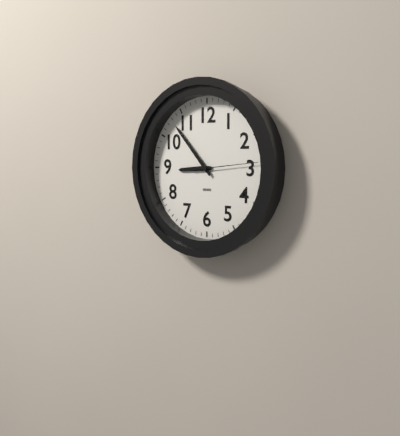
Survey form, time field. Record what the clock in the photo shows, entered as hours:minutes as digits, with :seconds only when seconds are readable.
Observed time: 8:53:14
